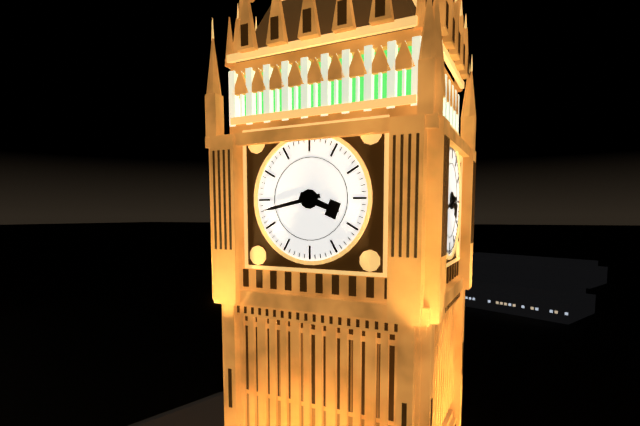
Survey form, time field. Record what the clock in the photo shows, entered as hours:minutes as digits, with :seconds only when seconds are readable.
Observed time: 3:43
